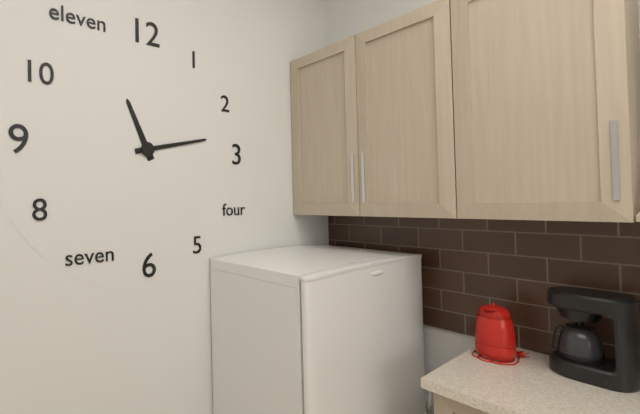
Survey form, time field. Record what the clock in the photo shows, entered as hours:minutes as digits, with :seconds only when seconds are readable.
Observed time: 11:13
